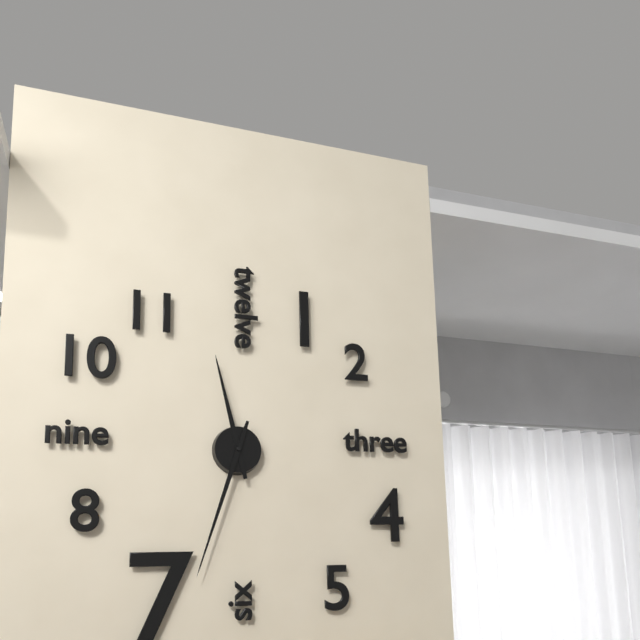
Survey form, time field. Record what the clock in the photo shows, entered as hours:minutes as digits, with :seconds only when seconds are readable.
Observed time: 11:33
